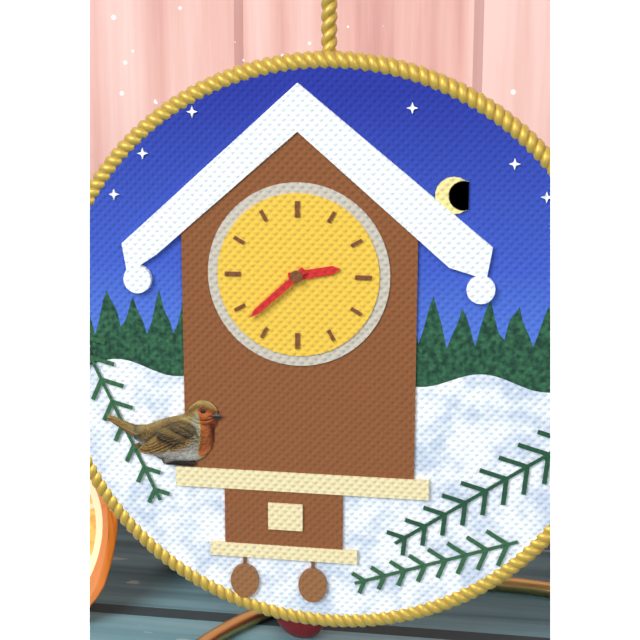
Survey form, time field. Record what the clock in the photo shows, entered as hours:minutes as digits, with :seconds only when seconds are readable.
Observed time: 2:38
